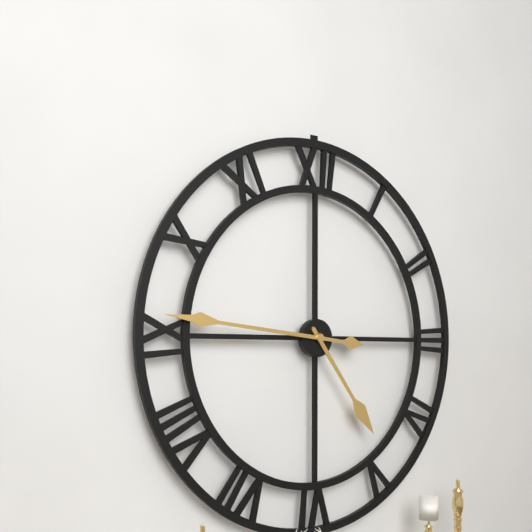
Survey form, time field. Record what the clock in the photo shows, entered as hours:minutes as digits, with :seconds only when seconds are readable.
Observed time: 4:46
